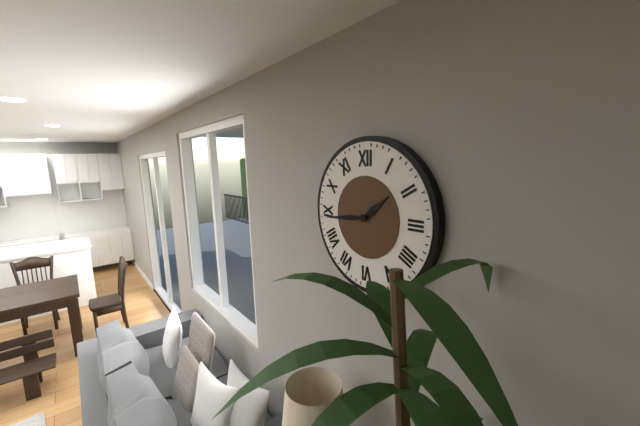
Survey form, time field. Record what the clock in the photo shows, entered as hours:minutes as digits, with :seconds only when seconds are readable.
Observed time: 1:44
